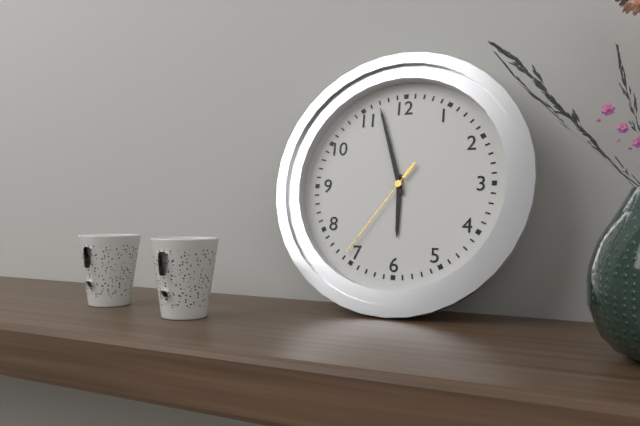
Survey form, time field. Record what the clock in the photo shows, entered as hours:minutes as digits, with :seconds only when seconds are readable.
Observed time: 5:57:36
